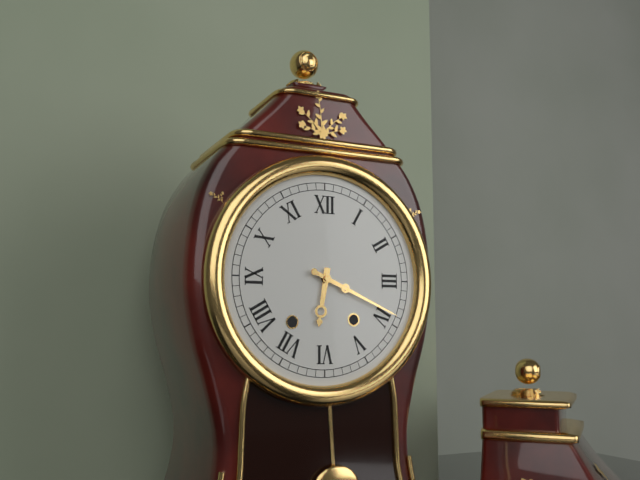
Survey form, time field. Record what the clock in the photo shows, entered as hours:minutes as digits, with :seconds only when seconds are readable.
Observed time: 6:19
